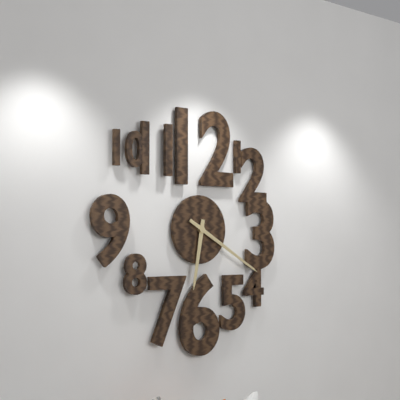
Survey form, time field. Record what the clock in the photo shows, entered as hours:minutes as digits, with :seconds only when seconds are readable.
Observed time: 6:20
